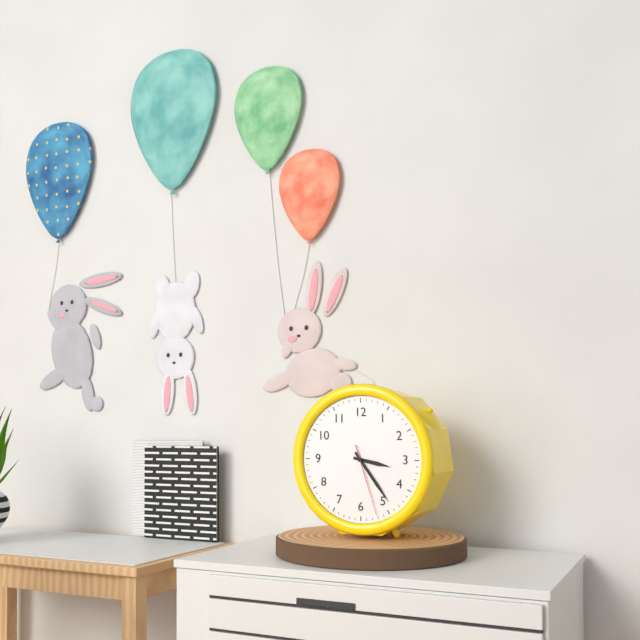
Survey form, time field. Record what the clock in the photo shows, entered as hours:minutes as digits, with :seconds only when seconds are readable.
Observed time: 3:24:27
